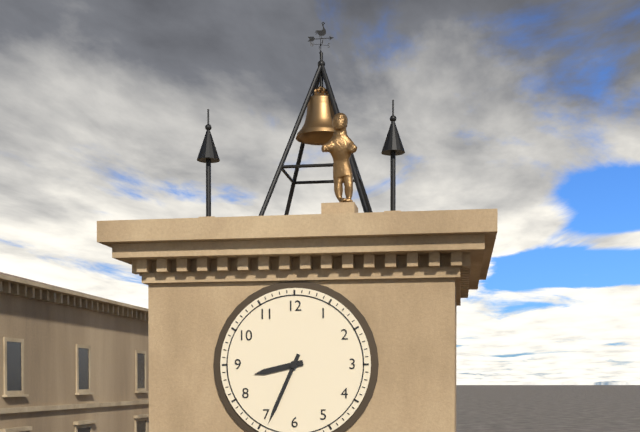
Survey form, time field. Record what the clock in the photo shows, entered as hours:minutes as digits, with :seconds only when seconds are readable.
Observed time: 8:34
